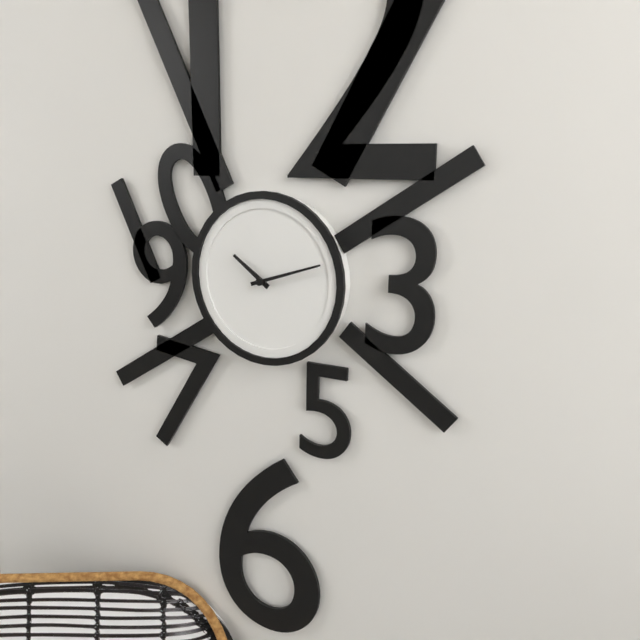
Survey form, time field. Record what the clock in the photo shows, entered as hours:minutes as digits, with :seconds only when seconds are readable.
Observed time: 10:12
